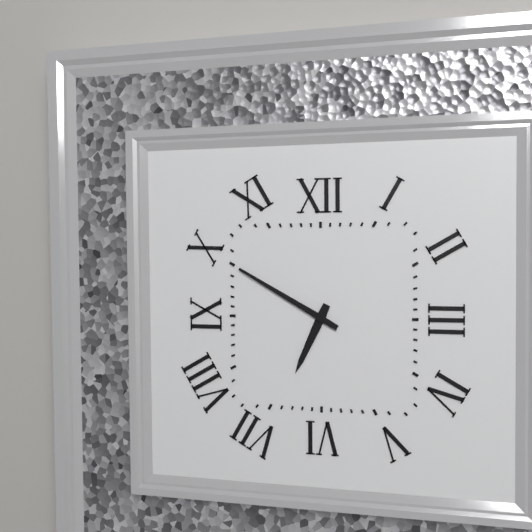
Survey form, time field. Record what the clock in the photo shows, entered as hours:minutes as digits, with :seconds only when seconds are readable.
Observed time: 6:50
